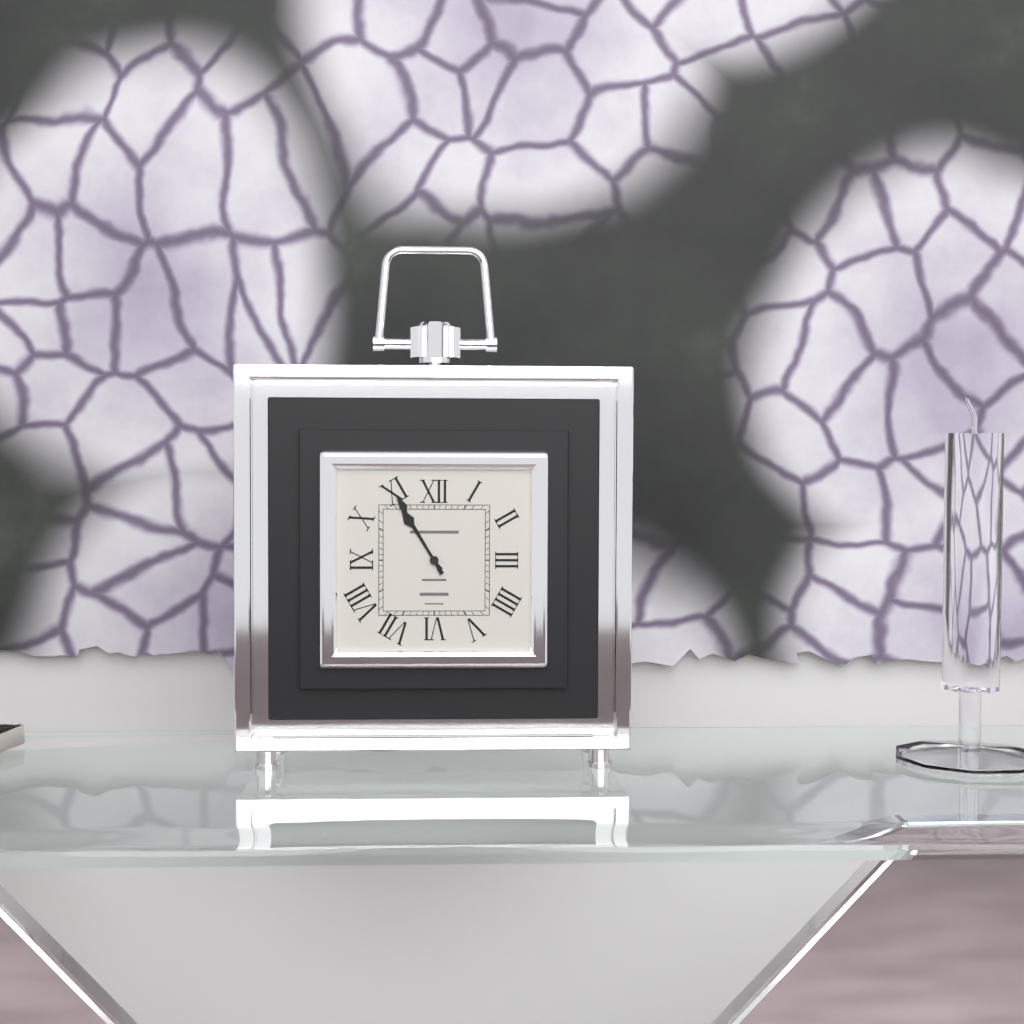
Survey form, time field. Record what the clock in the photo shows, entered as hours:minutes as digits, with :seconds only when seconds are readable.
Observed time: 10:55
